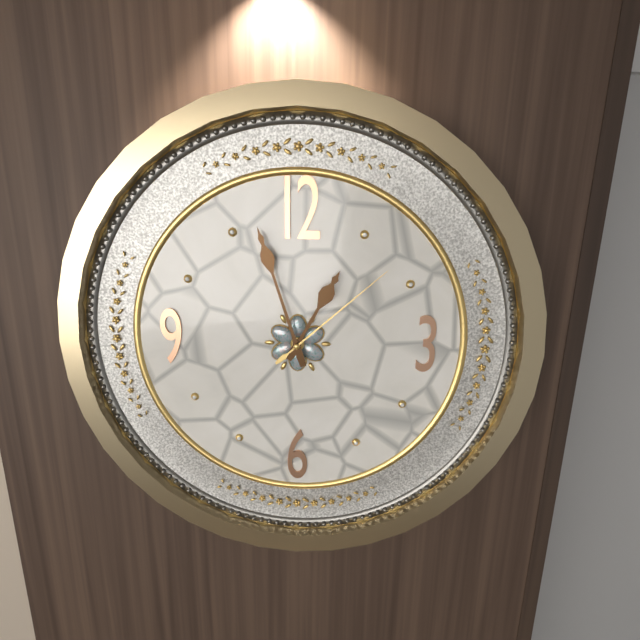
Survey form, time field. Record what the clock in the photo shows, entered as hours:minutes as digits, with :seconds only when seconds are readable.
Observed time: 12:57:08
